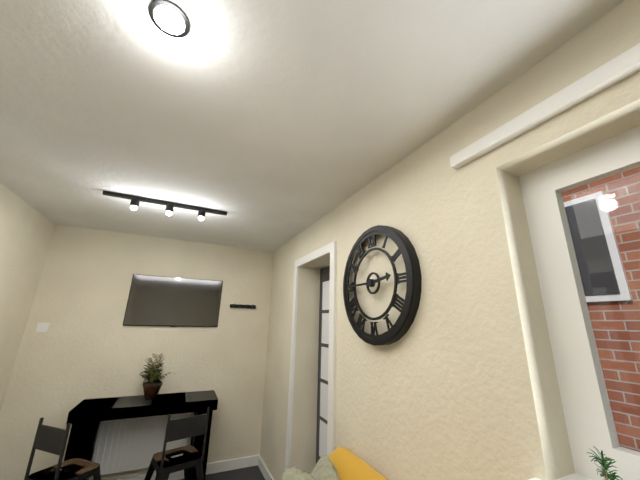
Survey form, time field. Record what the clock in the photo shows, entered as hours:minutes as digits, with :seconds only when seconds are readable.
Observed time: 2:45
